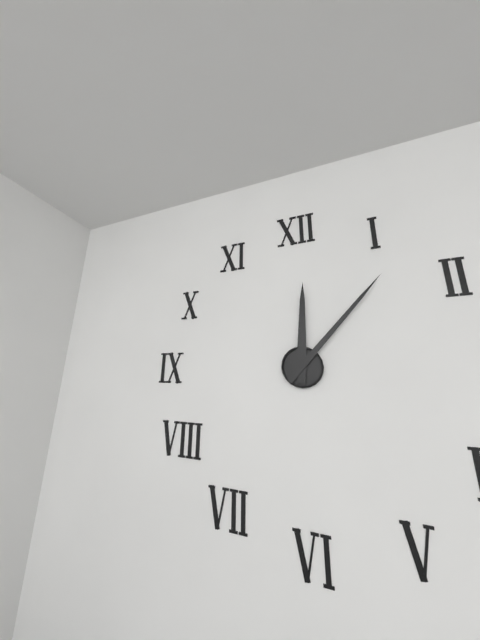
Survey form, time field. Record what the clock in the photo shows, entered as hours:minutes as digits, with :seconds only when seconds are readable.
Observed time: 12:07
